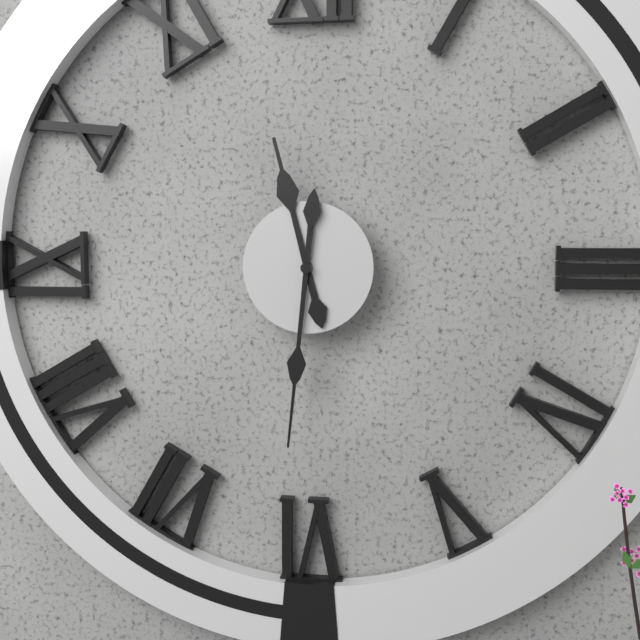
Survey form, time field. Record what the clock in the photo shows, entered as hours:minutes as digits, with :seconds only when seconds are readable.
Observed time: 11:31
